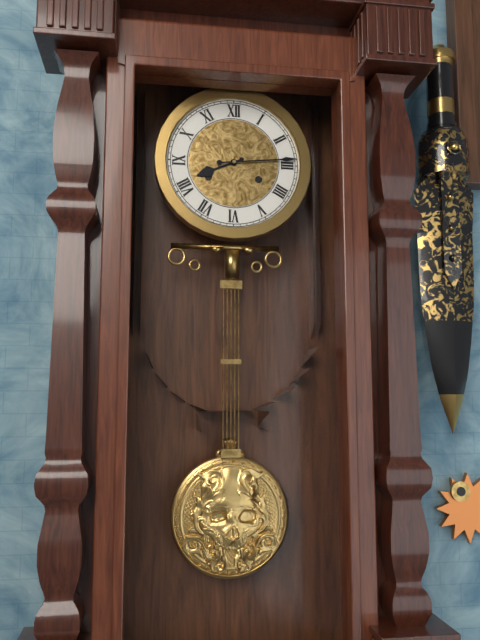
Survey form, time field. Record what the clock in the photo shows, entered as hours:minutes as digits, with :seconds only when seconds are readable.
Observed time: 8:14
